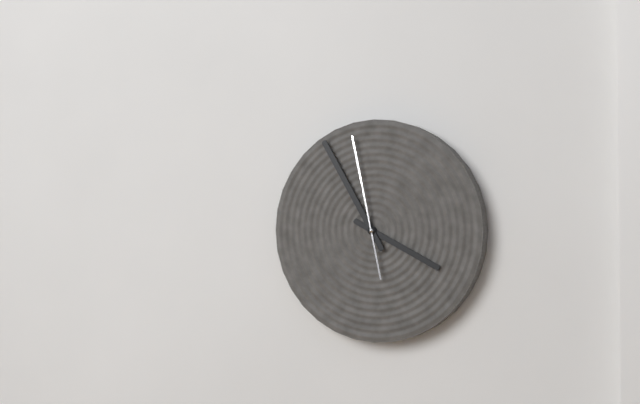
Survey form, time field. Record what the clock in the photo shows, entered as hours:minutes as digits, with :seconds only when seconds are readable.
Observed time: 3:55:58
